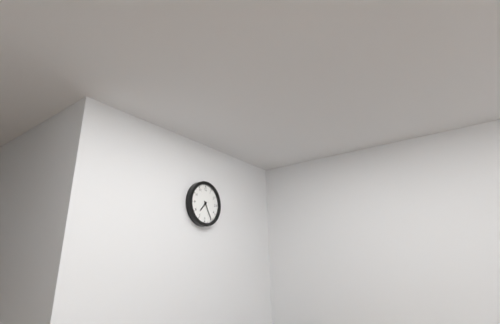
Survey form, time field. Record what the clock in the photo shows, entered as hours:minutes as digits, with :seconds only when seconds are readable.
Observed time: 7:25
